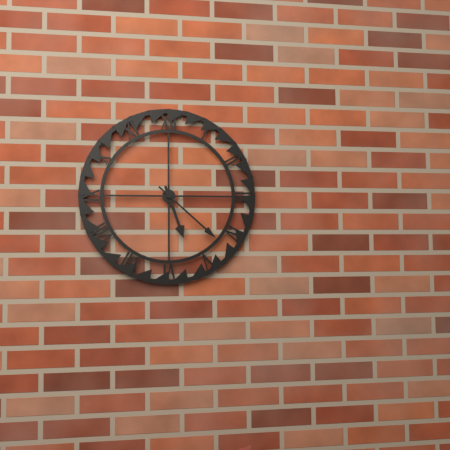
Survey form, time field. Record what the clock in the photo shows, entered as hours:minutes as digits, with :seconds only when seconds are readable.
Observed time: 5:22
